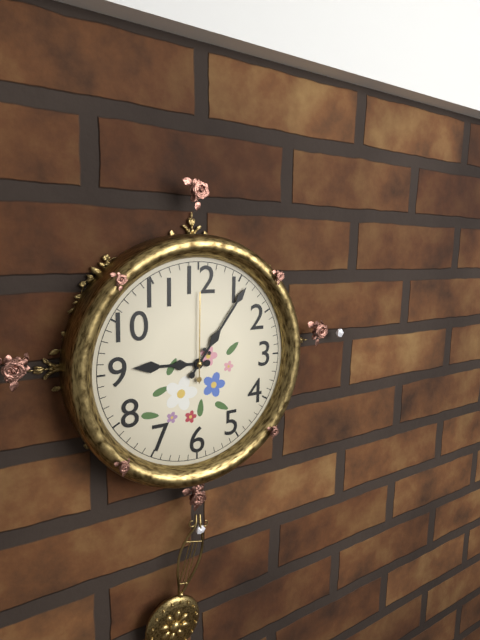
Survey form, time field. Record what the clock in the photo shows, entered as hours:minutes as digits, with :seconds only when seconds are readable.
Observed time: 9:06:00
